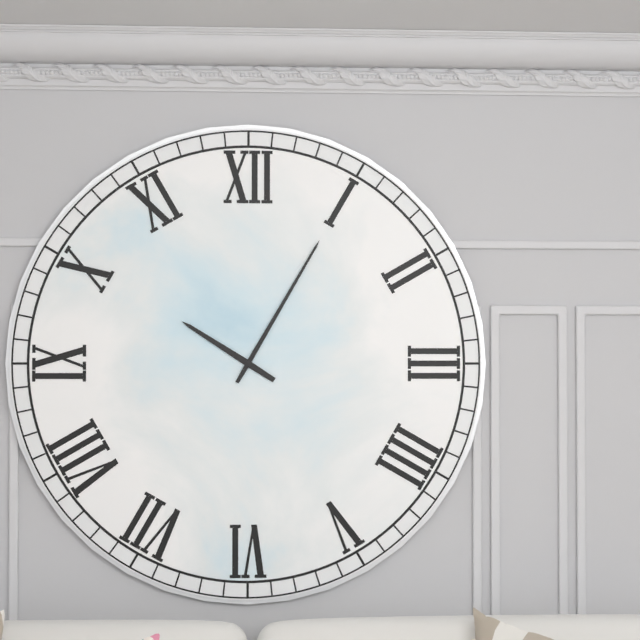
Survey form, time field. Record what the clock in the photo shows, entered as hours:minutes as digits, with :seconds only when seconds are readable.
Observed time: 10:05
